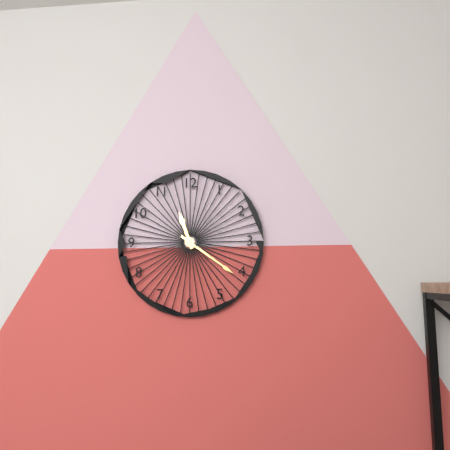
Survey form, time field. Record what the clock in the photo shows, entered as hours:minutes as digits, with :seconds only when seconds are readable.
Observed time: 11:21
